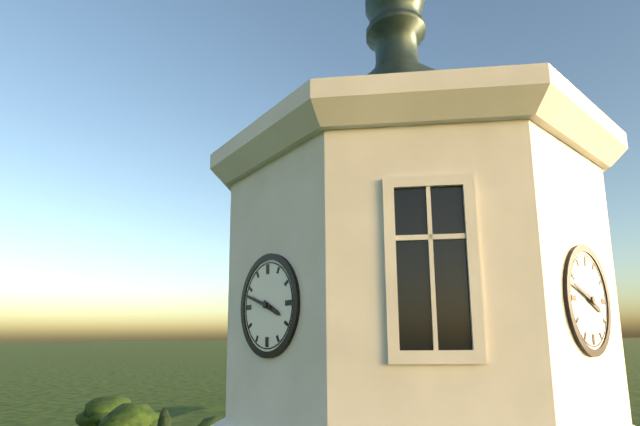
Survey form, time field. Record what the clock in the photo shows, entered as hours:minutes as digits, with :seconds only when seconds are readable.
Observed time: 3:48
